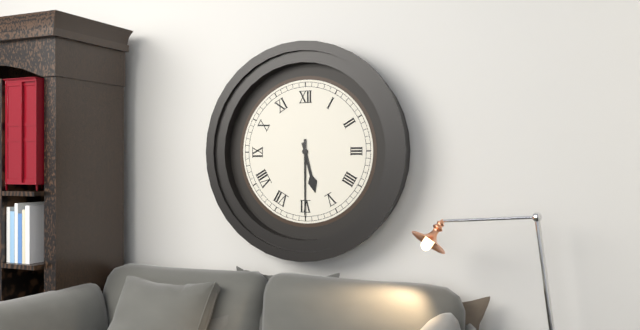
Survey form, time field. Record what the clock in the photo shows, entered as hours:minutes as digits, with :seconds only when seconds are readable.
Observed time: 5:30
